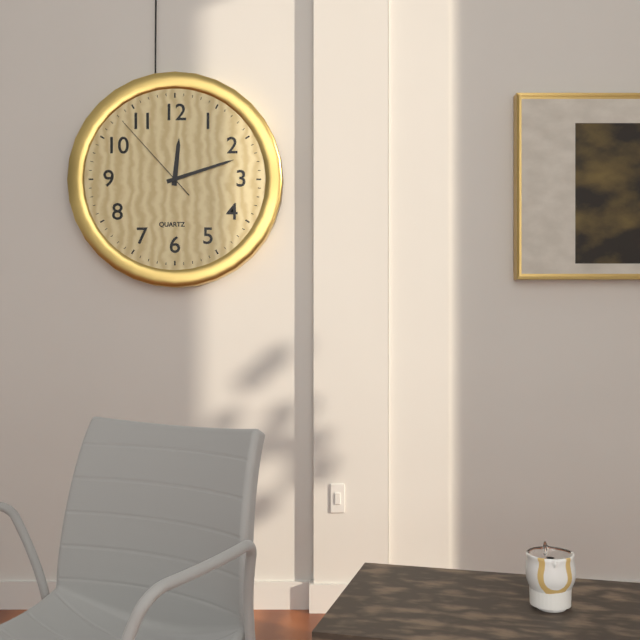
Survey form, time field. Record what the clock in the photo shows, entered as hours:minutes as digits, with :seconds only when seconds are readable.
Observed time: 12:12:53
